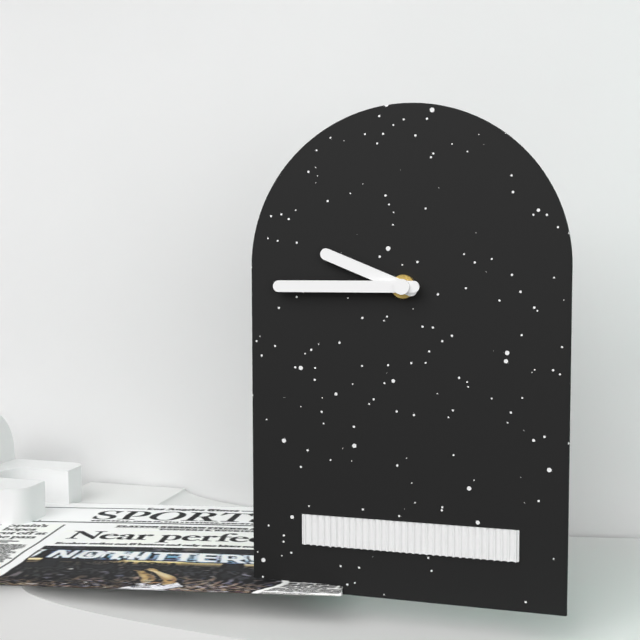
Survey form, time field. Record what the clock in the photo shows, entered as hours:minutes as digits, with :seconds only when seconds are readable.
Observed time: 9:45
